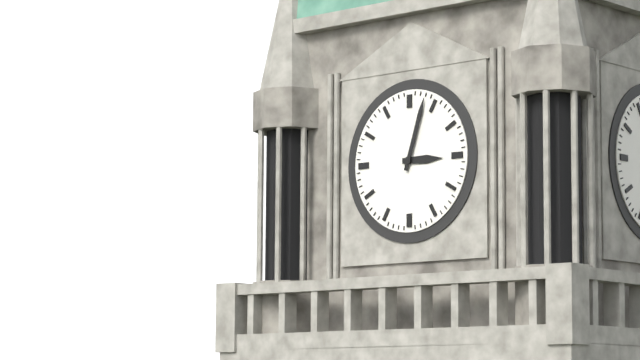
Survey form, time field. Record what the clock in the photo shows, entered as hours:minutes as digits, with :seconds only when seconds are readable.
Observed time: 3:03
